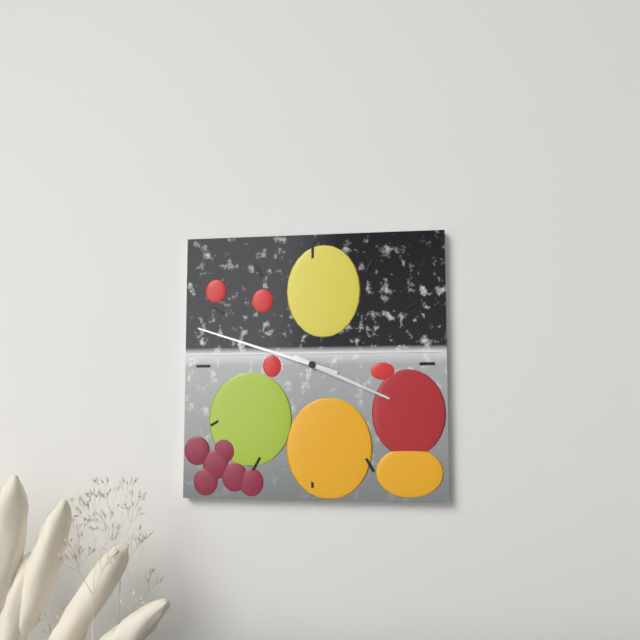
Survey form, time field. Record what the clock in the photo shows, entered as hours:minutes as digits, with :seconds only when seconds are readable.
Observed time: 3:48
